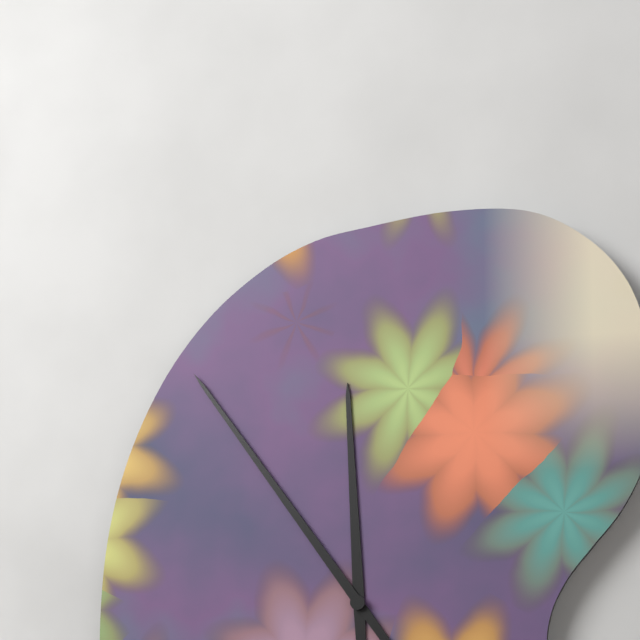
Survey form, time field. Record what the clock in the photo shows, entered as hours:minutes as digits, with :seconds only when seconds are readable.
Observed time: 11:54
